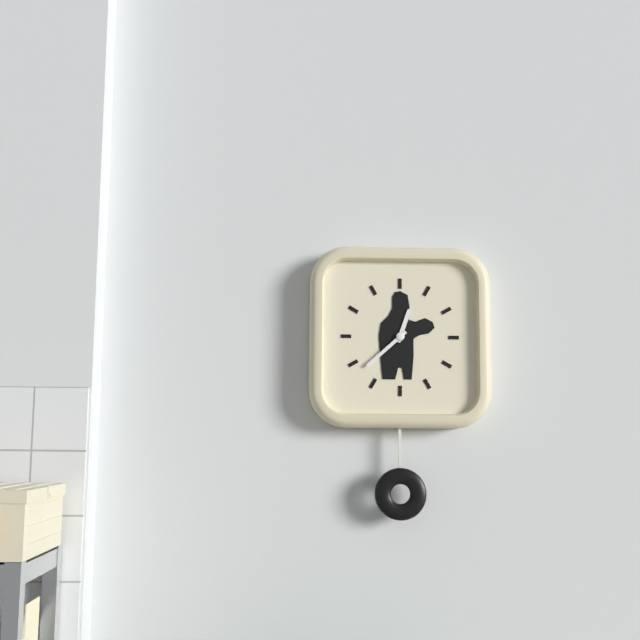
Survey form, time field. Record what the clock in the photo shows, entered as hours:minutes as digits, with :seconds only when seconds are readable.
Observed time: 12:38
